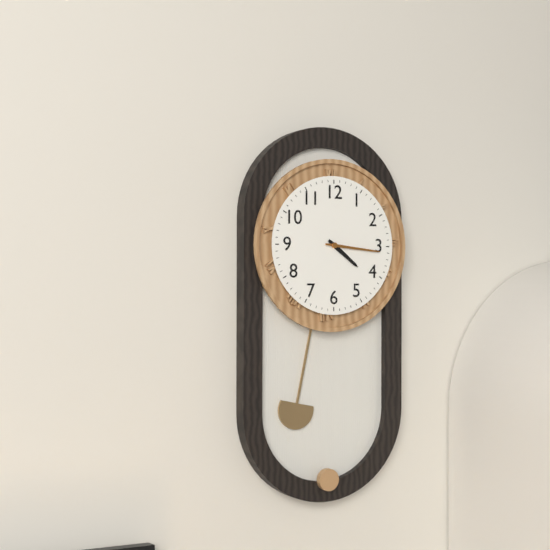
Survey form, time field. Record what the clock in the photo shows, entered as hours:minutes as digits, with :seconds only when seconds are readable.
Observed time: 4:16
